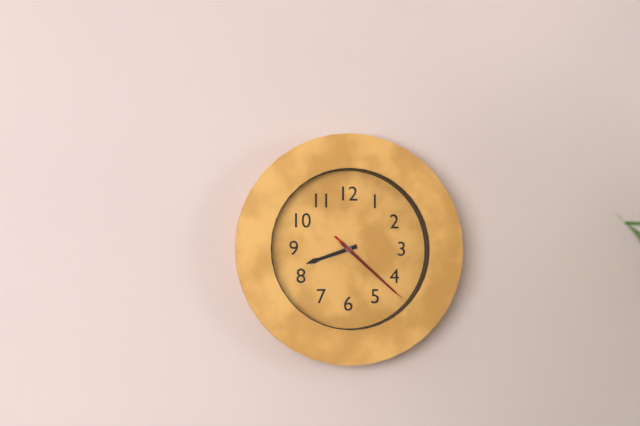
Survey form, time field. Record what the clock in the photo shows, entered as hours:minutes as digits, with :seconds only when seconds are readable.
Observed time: 8:22:22
